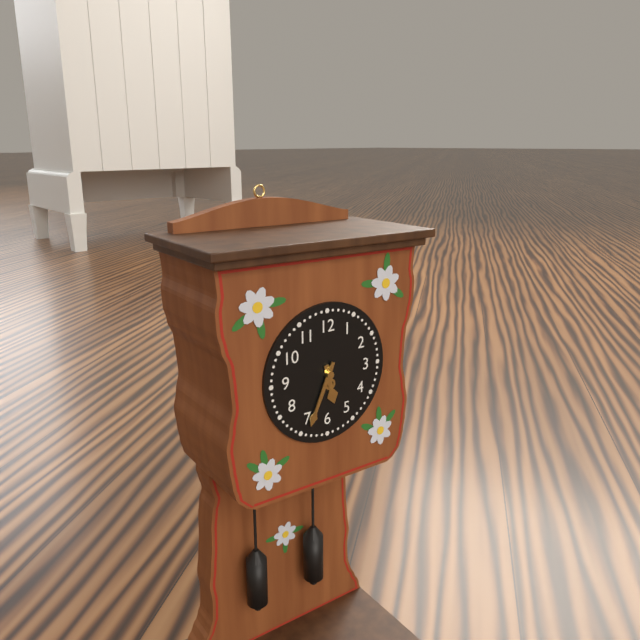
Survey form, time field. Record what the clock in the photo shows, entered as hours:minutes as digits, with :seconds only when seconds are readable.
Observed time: 5:34
